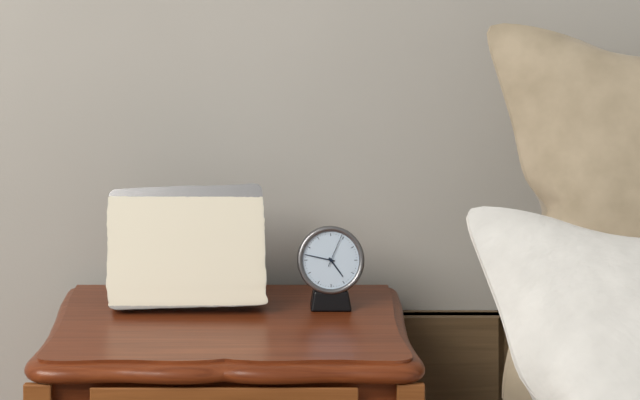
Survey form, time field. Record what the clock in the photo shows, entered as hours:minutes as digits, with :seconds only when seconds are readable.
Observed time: 4:47
